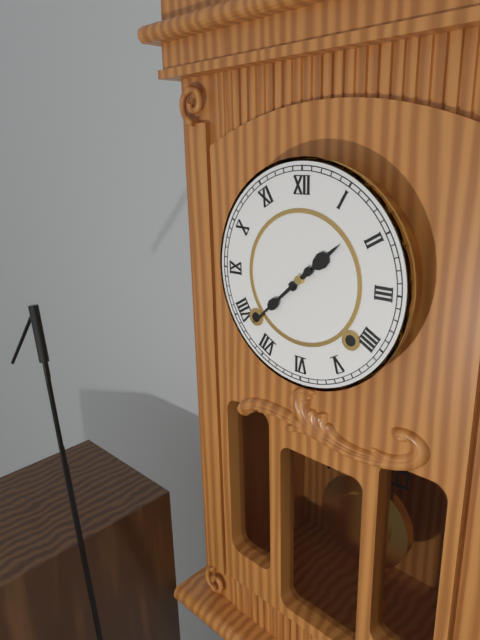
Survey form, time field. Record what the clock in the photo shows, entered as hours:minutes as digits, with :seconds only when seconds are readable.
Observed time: 1:38
